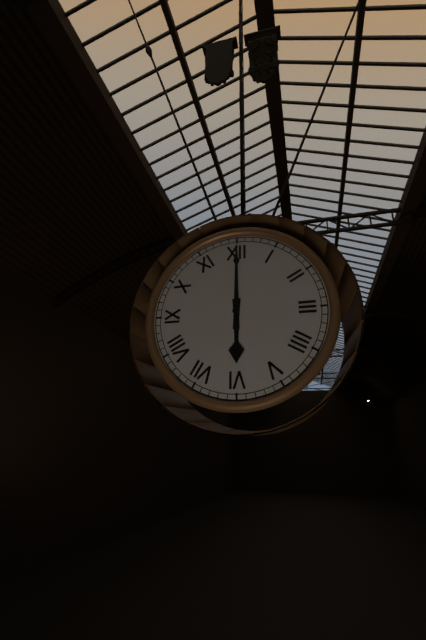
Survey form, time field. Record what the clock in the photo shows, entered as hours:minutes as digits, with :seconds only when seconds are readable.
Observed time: 6:00
